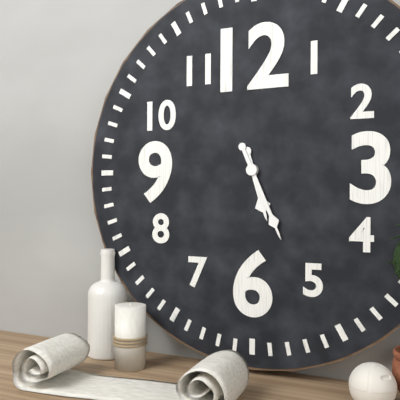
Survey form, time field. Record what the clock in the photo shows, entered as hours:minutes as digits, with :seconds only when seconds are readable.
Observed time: 5:26
